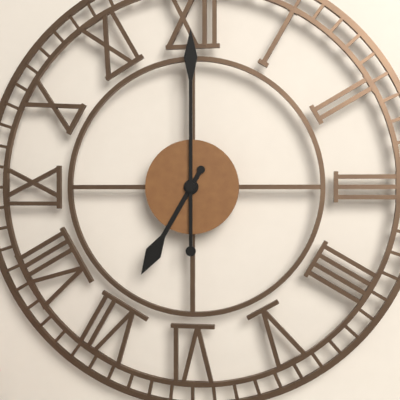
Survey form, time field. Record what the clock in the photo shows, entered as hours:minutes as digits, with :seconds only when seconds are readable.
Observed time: 7:00
